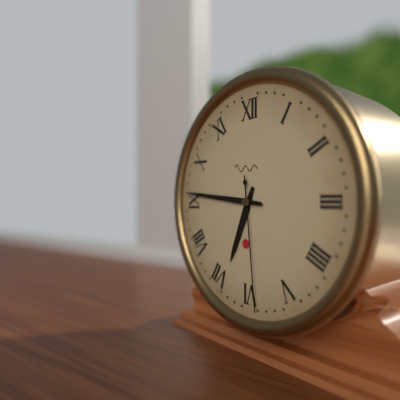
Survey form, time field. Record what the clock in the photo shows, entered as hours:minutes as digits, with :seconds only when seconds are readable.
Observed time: 6:46:29
